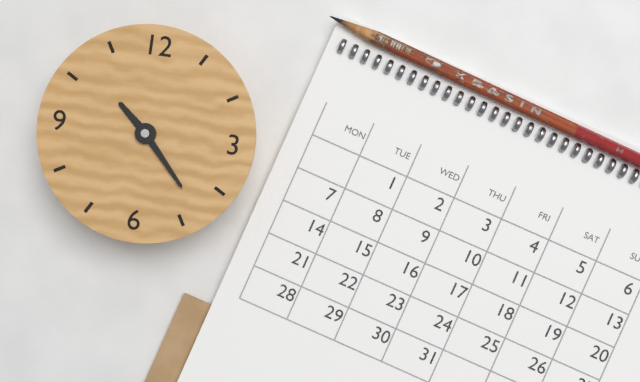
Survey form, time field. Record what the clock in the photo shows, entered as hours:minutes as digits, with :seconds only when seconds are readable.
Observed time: 10:23
